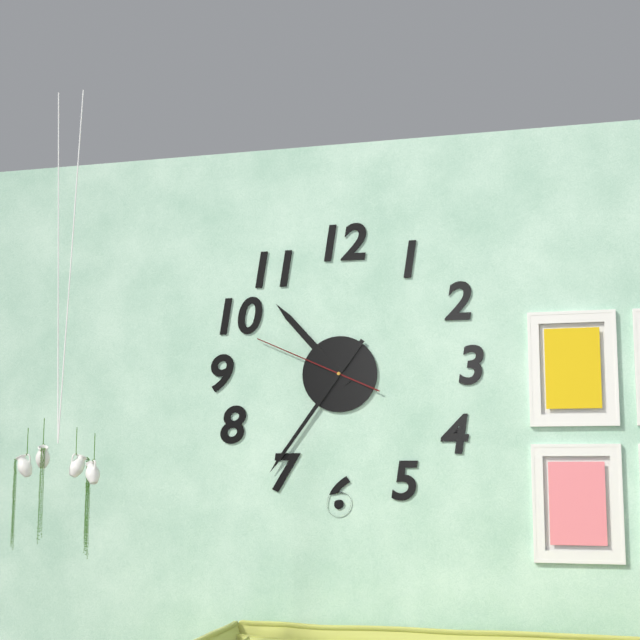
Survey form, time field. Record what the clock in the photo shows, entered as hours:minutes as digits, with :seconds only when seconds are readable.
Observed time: 10:36:49
